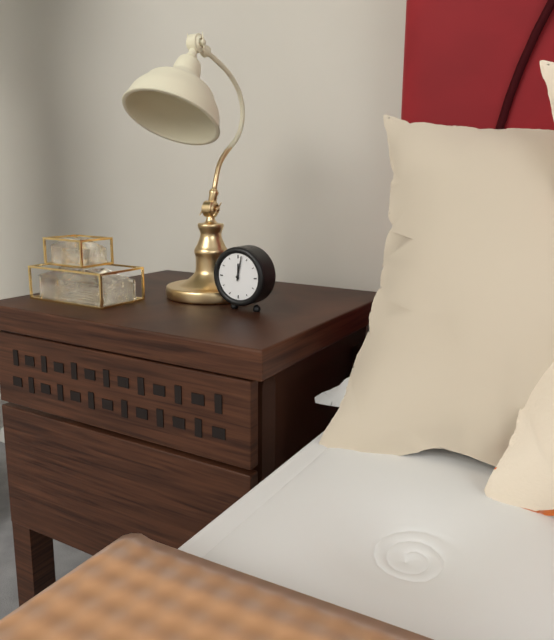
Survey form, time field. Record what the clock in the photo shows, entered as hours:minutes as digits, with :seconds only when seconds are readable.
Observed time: 12:02
